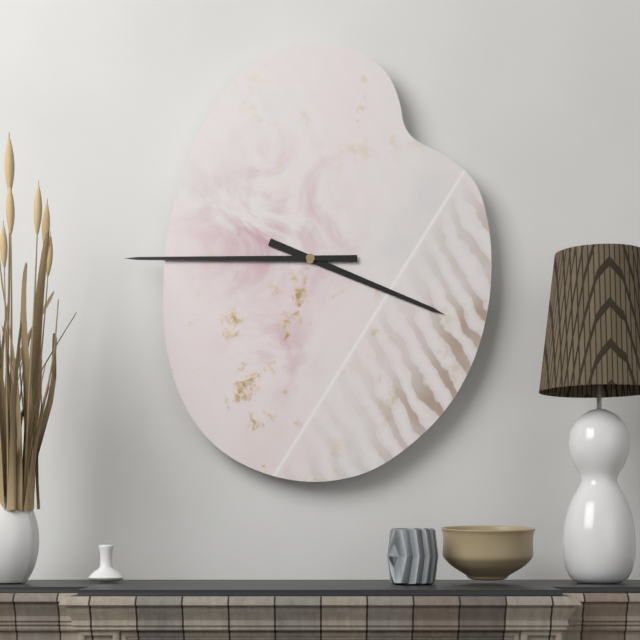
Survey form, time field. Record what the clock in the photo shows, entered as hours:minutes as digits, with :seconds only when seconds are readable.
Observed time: 3:45
